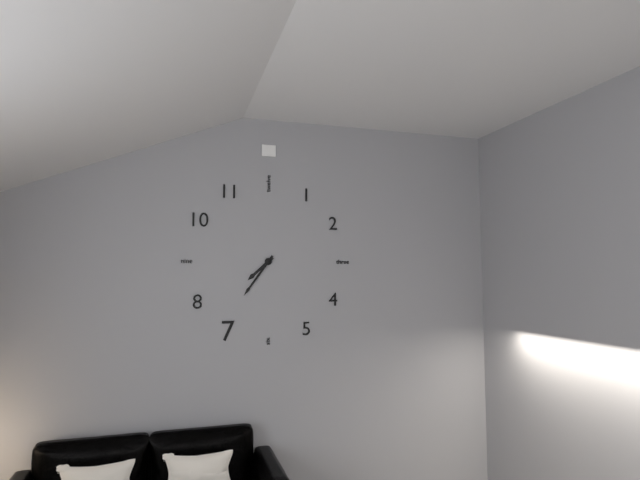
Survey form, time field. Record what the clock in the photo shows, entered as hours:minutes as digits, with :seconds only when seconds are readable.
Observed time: 7:36
